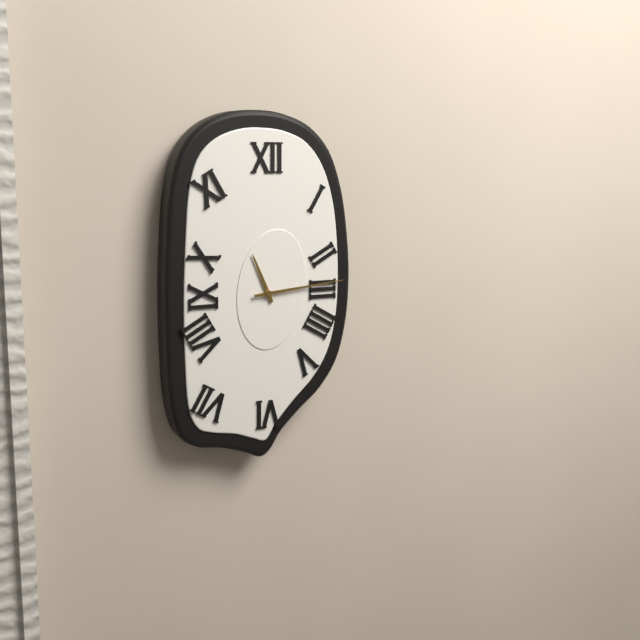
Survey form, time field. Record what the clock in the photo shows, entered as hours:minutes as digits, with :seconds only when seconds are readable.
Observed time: 11:14
